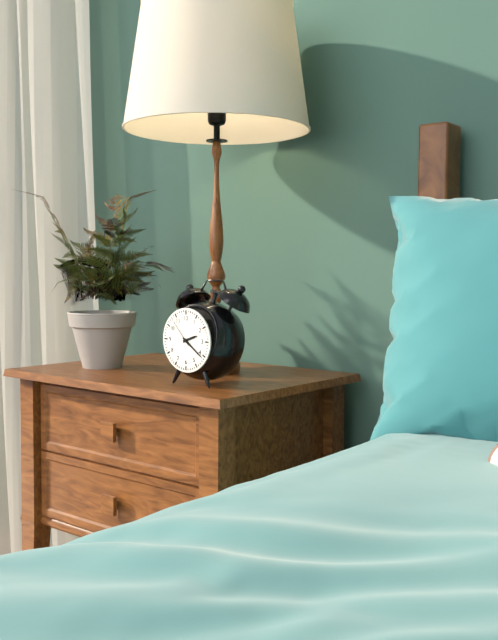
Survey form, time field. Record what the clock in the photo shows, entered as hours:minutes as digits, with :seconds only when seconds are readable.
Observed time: 2:21
